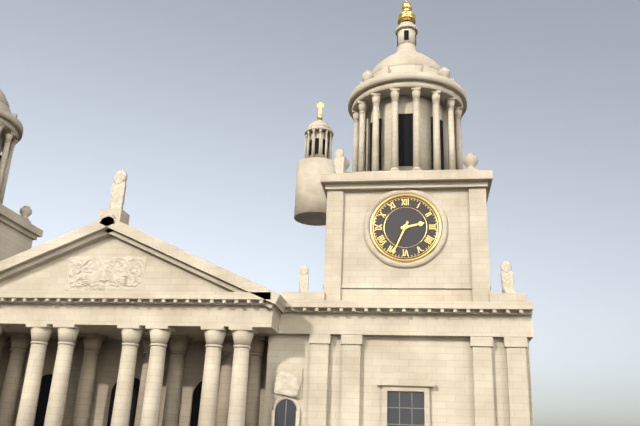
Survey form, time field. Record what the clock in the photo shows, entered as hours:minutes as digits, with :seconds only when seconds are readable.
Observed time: 2:34
